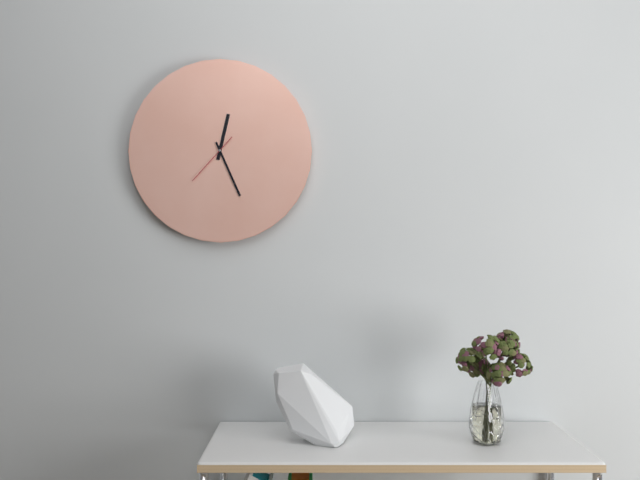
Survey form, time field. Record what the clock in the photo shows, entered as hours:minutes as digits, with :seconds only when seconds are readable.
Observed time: 12:26:37
